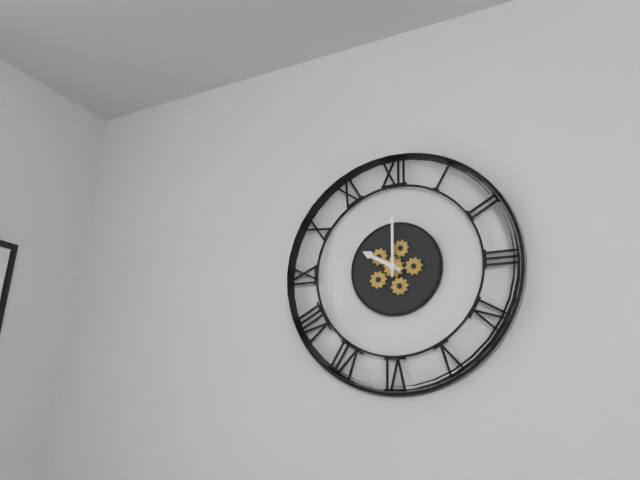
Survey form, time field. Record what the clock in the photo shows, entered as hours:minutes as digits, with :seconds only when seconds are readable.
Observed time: 10:00
